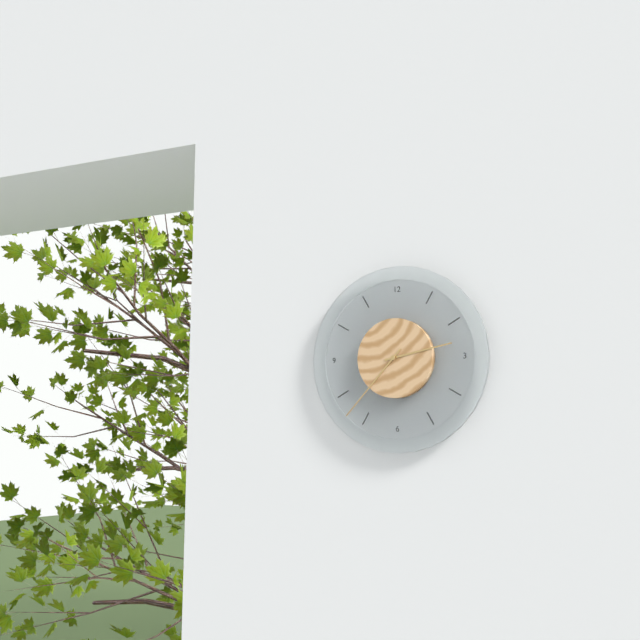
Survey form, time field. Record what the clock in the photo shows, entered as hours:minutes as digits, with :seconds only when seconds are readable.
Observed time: 2:37
